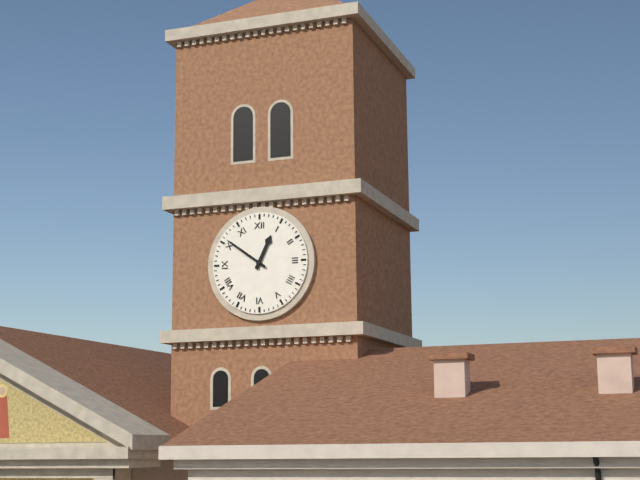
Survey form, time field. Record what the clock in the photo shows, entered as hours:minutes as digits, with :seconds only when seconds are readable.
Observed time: 12:51
